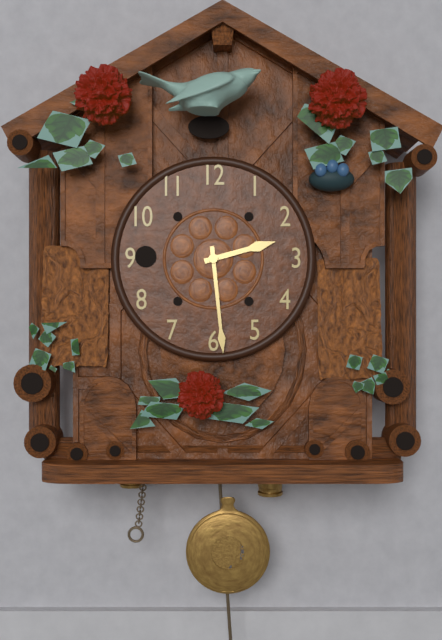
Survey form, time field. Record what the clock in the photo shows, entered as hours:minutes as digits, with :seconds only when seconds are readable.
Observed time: 2:29
